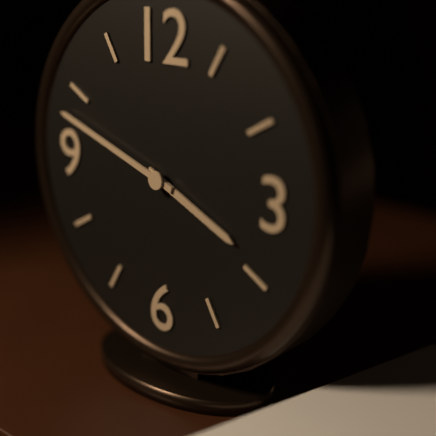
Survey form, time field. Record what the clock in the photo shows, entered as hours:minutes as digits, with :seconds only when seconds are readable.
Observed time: 3:48
